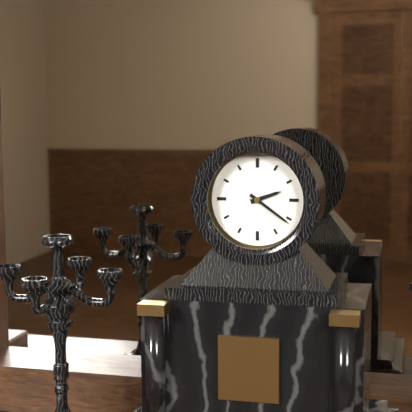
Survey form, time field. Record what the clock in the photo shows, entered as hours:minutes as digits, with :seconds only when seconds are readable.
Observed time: 2:21
